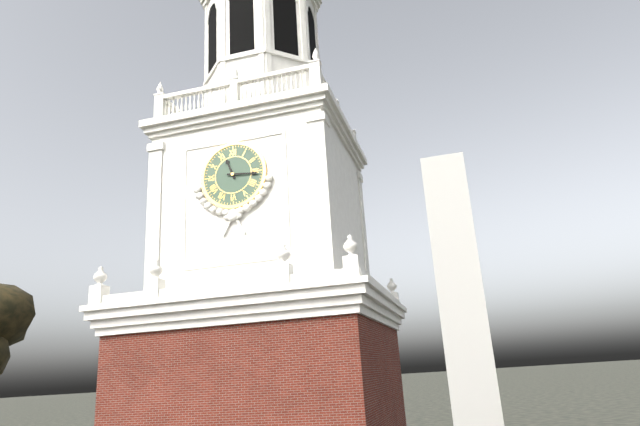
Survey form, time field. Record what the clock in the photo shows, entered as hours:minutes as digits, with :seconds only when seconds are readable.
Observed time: 11:16
